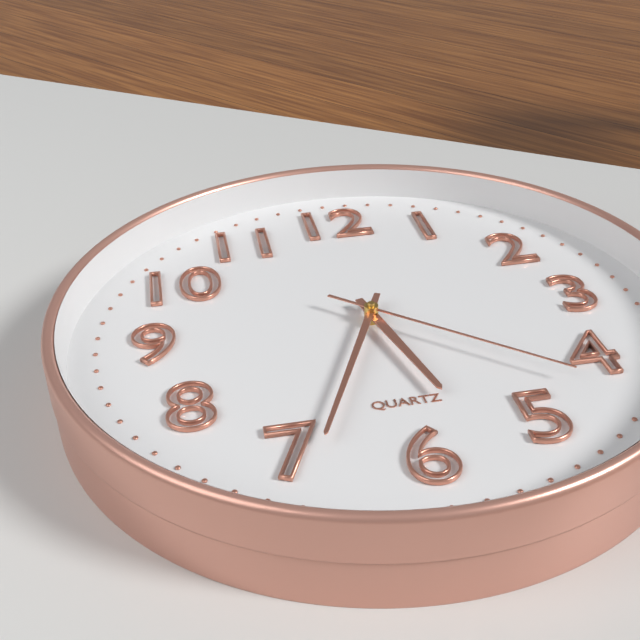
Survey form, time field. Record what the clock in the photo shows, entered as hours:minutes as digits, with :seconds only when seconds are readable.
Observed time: 5:34:22
